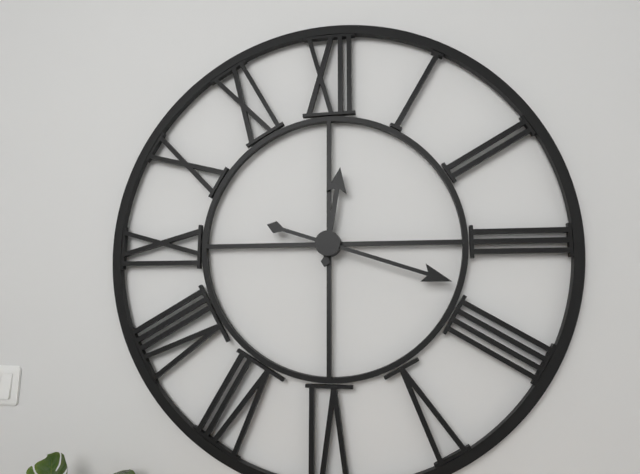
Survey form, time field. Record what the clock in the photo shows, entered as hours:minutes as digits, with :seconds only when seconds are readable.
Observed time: 12:18
